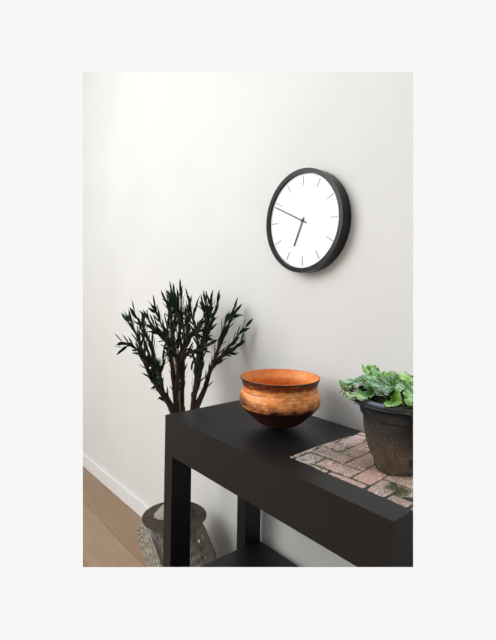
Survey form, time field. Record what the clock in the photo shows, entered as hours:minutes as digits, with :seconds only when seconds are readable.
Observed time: 6:49
